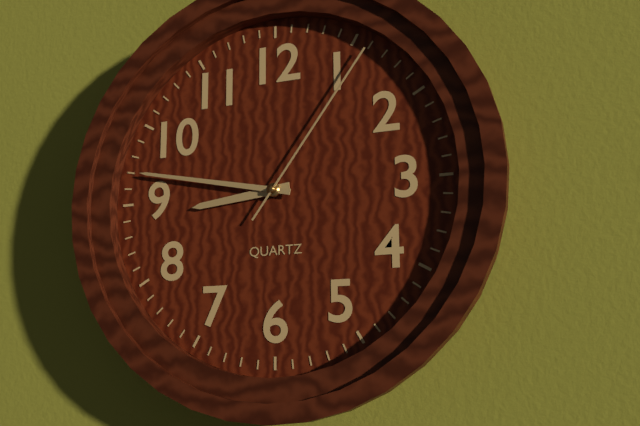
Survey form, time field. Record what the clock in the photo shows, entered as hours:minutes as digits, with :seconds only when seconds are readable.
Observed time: 8:47:06
